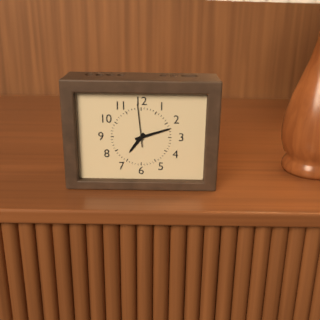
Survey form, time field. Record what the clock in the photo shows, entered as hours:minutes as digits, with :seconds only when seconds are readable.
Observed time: 7:12
